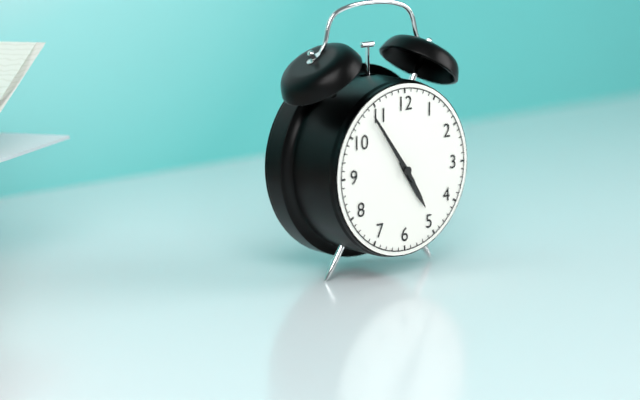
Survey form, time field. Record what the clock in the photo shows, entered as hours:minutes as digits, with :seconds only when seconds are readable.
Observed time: 4:54
